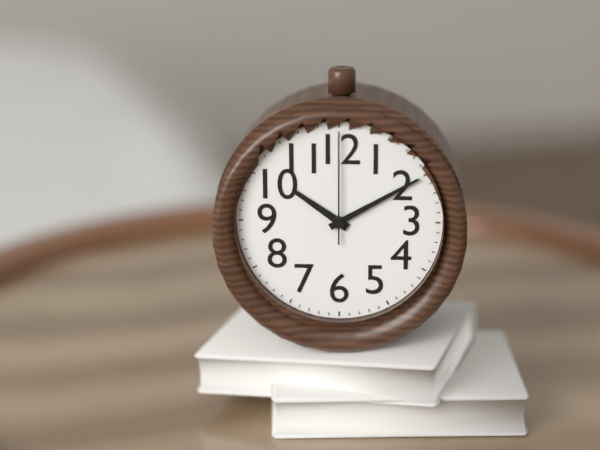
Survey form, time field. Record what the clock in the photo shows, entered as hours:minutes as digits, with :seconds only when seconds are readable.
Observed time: 10:10:00
